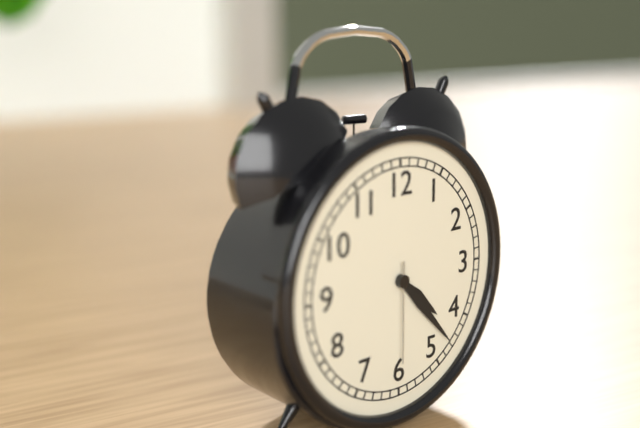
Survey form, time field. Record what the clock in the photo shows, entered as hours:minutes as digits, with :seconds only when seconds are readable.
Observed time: 4:23:30
